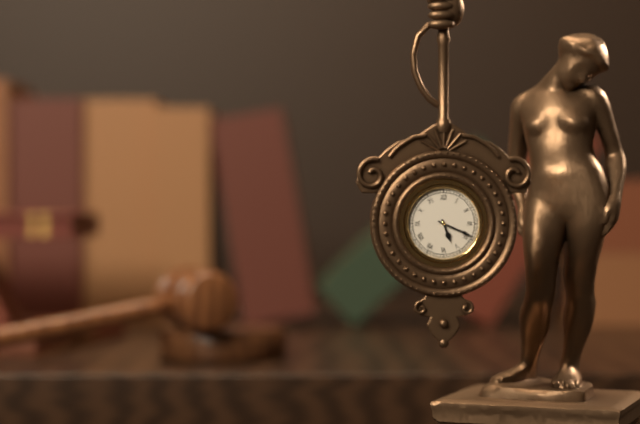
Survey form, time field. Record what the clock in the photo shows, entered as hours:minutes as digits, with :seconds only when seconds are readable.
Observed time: 5:19
